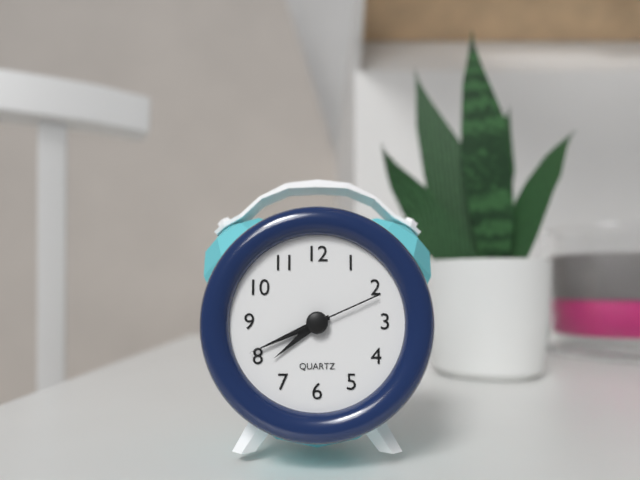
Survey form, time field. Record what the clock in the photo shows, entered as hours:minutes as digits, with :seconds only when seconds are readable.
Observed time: 7:41:11
